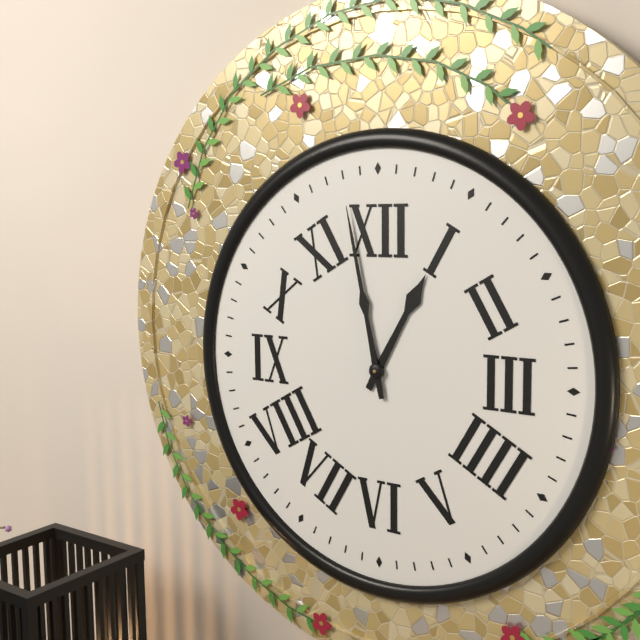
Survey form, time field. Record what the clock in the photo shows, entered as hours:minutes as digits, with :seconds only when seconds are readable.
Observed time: 12:58
